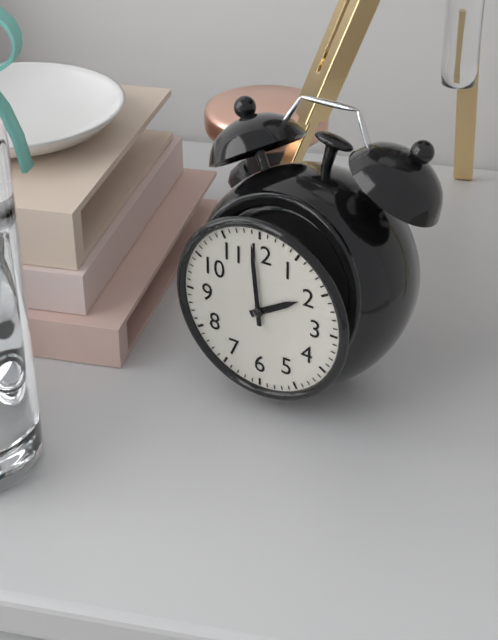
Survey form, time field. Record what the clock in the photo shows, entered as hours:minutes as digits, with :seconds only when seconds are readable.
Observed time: 1:59
